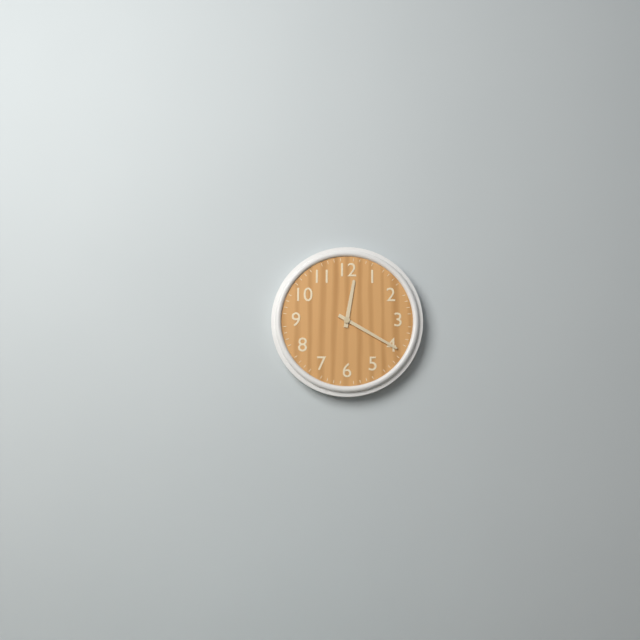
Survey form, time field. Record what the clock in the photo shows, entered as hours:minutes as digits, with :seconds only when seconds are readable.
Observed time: 12:20
